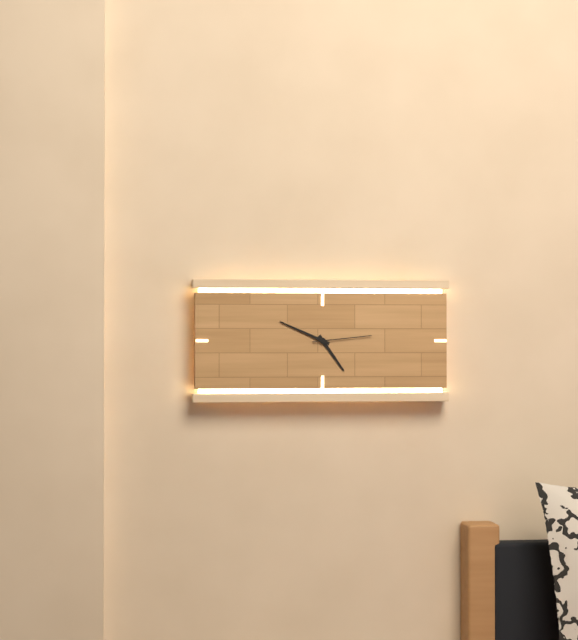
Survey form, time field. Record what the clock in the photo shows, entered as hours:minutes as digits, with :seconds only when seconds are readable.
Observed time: 4:49:14
